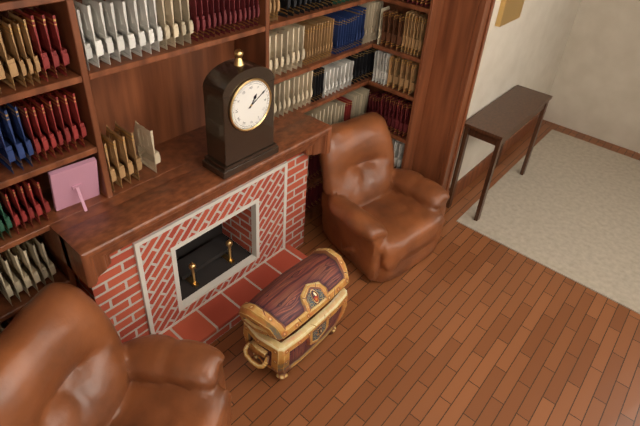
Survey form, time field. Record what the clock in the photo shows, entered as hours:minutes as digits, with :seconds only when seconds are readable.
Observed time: 1:10
